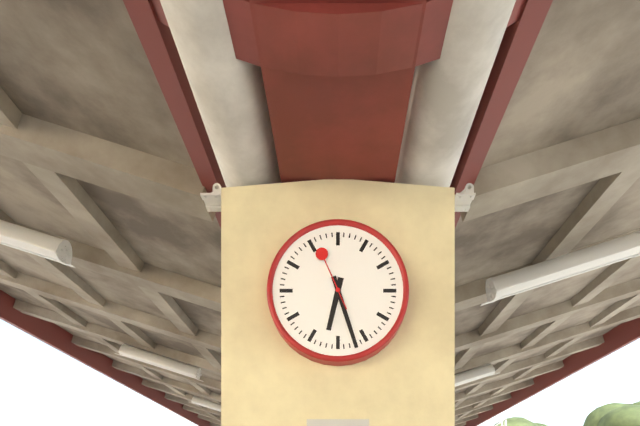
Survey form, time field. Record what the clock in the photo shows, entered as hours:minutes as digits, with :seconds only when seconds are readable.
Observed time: 6:27:56
